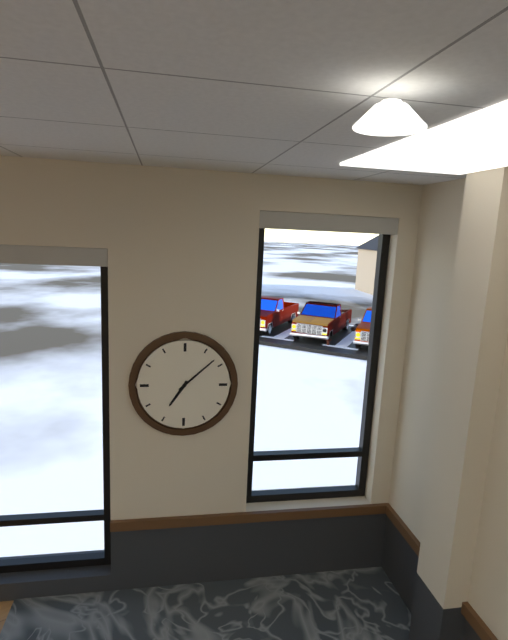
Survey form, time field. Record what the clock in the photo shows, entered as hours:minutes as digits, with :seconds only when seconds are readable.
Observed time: 7:08
